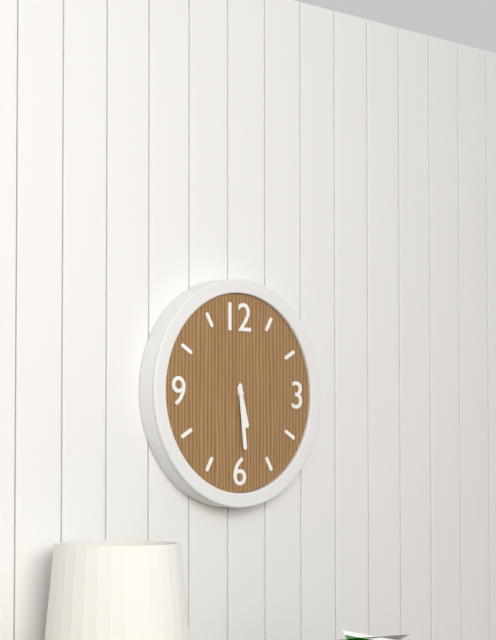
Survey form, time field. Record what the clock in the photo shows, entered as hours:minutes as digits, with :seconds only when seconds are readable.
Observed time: 5:29
